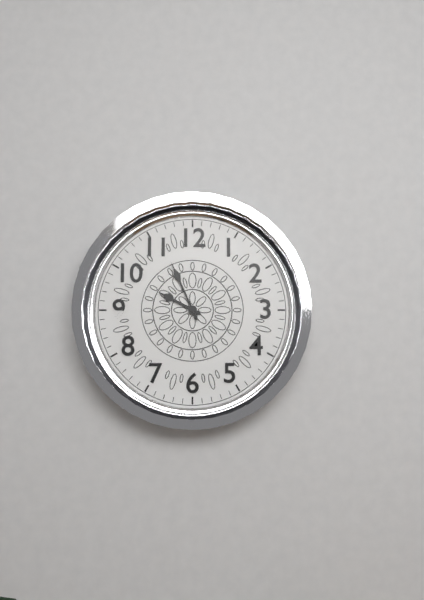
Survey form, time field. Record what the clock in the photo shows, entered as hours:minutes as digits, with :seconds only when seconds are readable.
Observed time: 9:56
